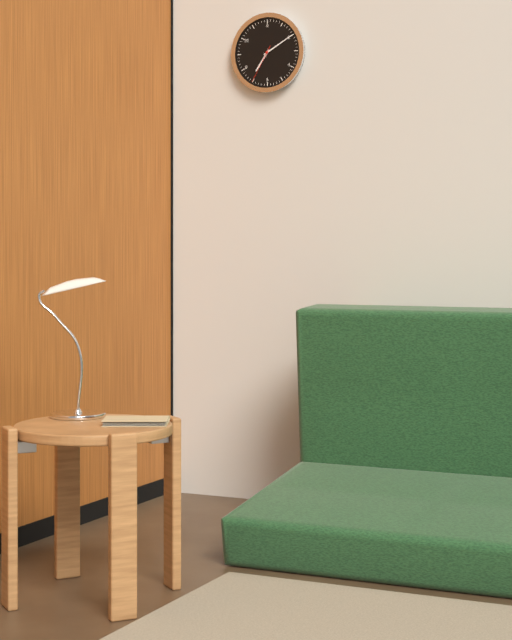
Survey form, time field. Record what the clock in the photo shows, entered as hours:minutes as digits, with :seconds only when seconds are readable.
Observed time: 7:10
